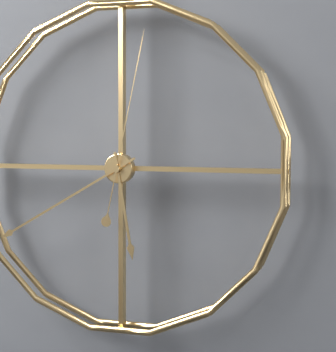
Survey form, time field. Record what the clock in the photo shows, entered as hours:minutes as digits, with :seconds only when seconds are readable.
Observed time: 5:40:02
